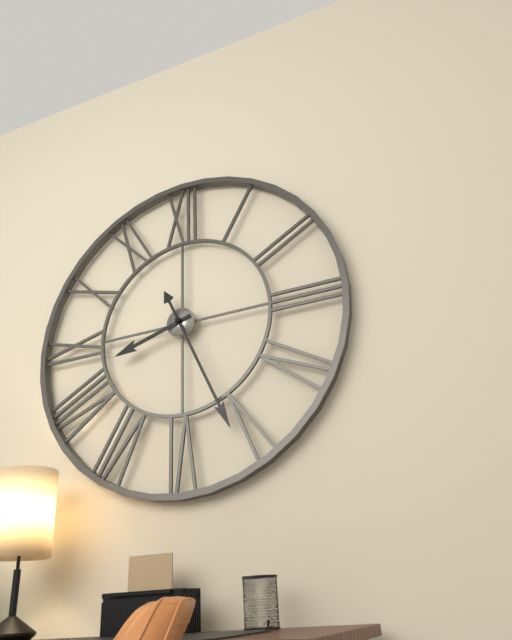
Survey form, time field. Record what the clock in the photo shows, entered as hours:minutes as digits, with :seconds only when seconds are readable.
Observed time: 8:26
